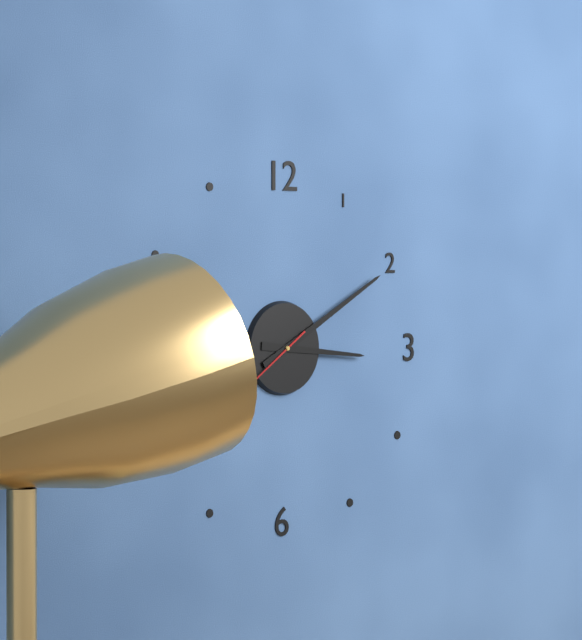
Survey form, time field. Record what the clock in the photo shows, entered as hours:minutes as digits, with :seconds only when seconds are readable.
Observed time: 3:10
